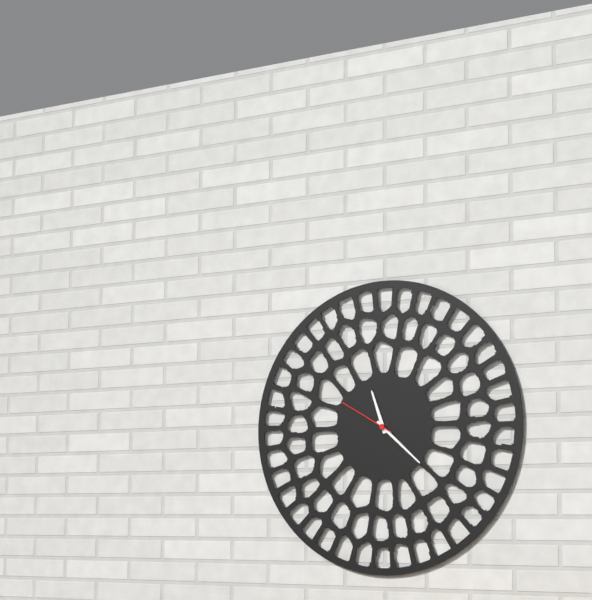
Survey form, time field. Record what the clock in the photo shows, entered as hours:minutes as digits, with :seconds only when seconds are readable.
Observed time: 11:22:50
